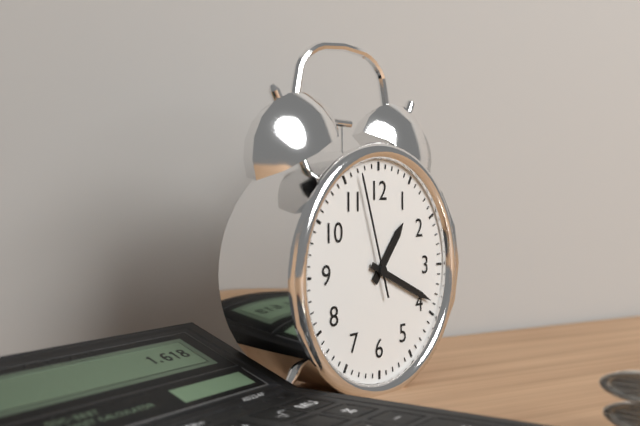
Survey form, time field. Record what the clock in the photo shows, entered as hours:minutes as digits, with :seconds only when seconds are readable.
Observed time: 1:19:57
